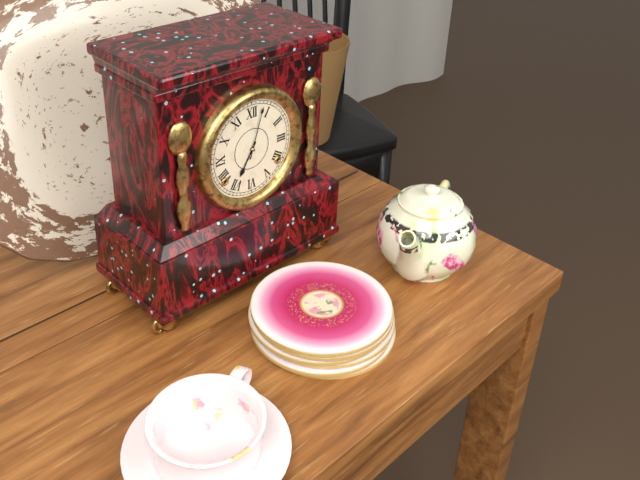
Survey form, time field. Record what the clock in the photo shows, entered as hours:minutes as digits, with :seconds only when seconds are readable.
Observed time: 7:03
